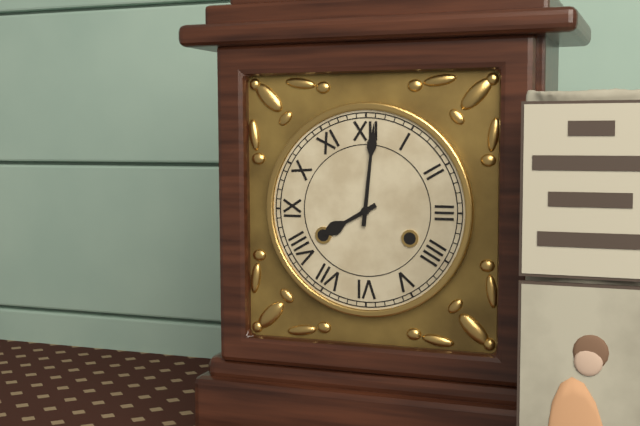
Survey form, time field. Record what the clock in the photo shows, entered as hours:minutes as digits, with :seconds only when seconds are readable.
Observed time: 8:01
